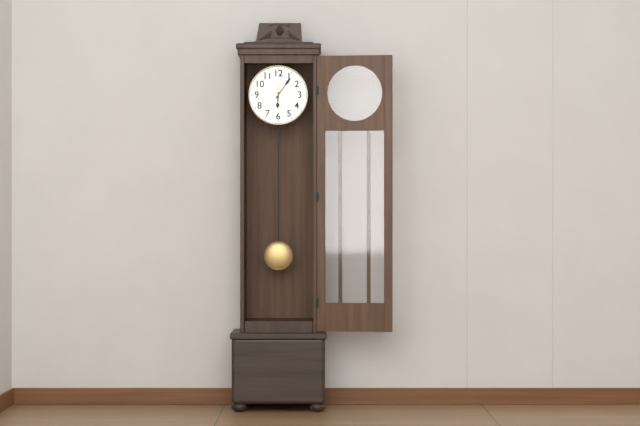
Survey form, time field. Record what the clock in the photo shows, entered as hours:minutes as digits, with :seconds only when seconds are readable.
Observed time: 6:06
